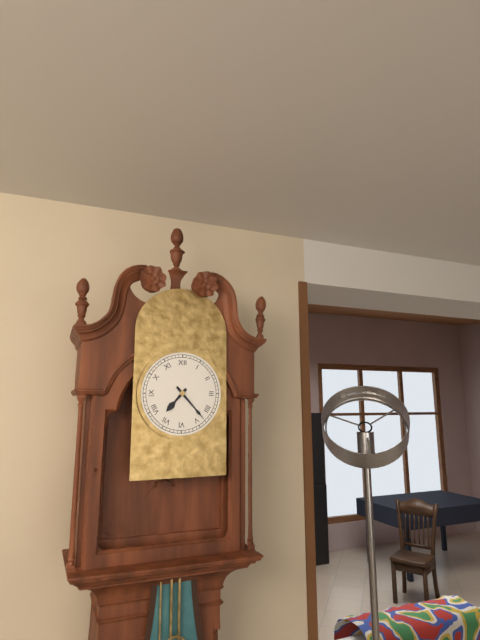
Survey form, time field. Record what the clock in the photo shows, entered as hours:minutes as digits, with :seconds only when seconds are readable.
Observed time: 7:23
